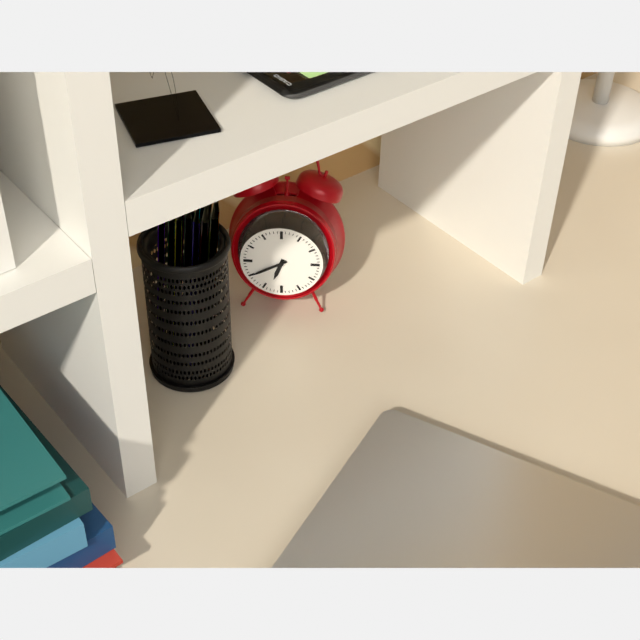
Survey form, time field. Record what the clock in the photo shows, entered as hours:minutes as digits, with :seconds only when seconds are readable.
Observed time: 6:40
